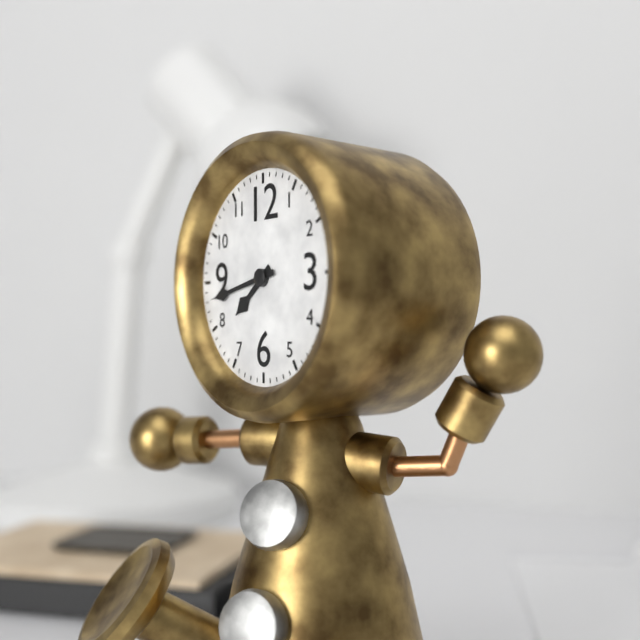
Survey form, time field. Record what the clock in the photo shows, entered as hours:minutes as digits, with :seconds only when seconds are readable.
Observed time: 7:43
